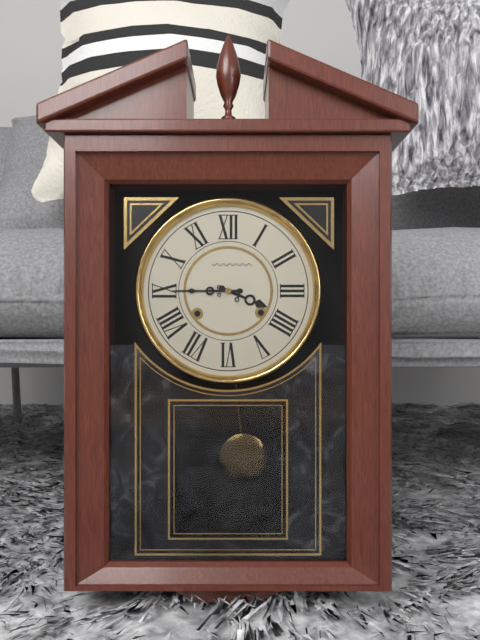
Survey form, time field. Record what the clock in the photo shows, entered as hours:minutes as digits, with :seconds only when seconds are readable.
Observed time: 3:45
